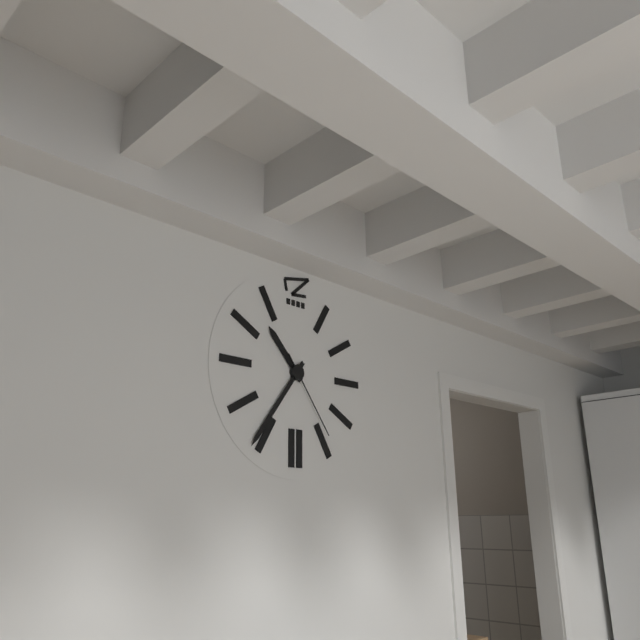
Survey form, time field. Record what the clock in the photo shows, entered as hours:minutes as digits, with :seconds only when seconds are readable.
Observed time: 10:36:24
